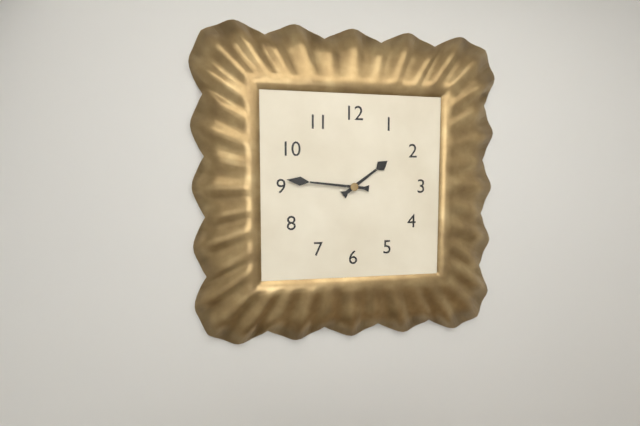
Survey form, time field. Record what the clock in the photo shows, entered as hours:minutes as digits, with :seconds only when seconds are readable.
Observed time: 1:46
